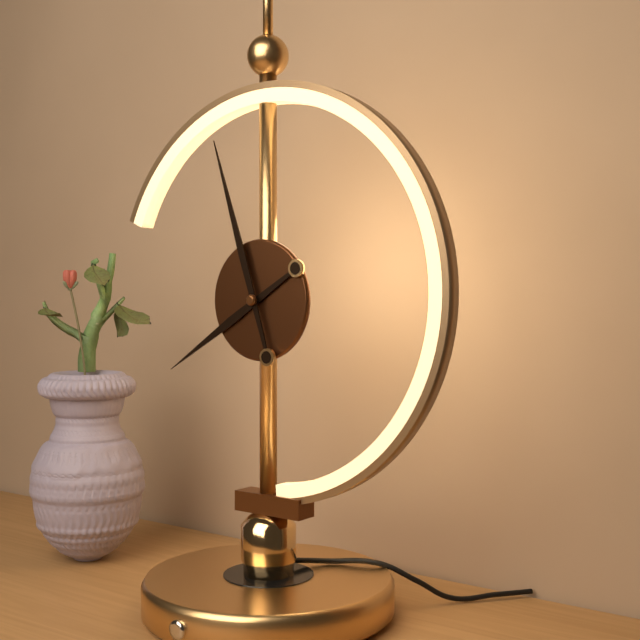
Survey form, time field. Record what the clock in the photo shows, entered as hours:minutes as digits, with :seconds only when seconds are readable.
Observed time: 7:57
